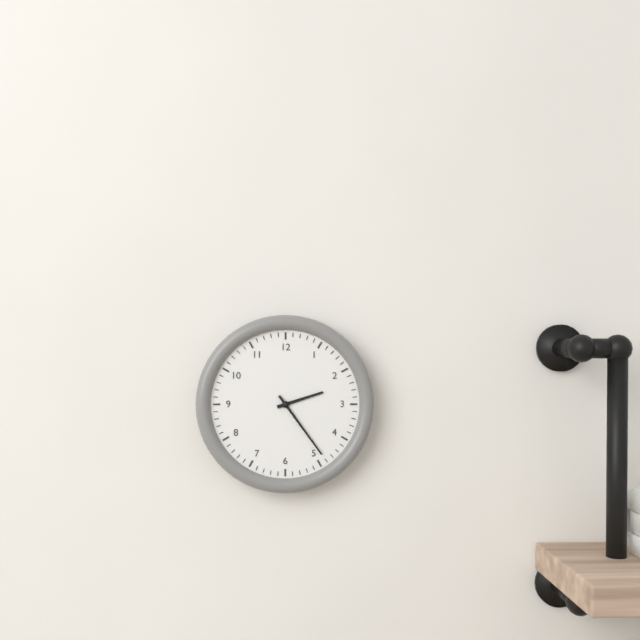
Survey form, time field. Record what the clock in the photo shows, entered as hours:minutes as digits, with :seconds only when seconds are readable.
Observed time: 2:24
